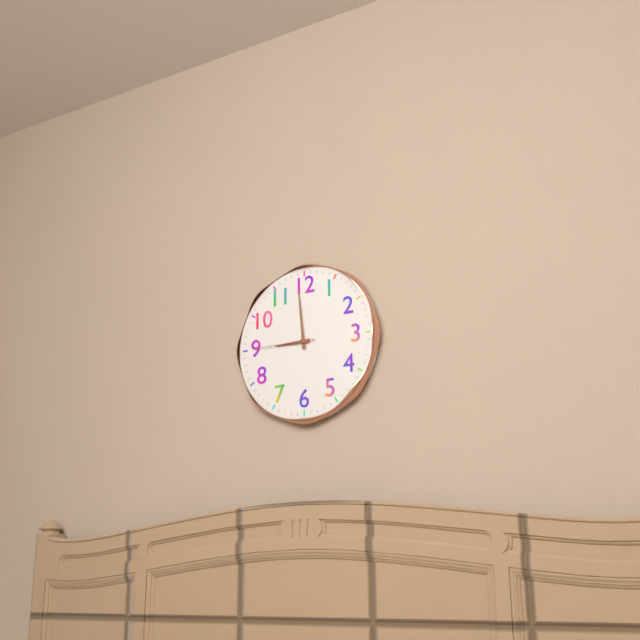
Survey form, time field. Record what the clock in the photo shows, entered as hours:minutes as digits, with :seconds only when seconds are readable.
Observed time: 8:59:45
